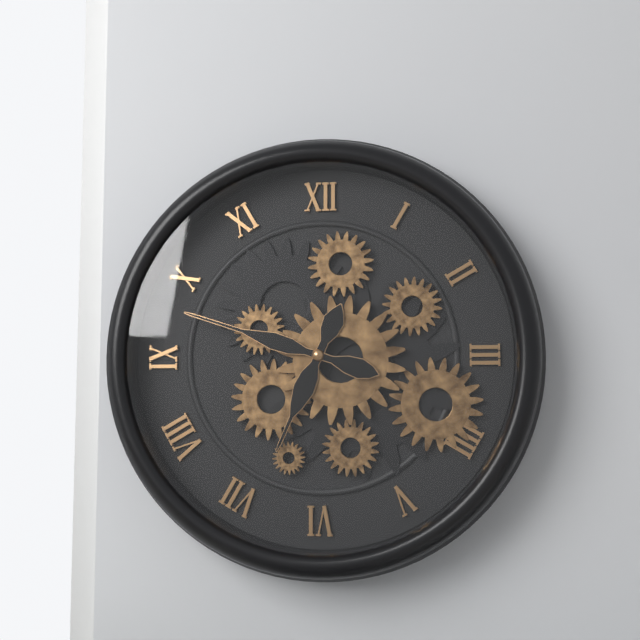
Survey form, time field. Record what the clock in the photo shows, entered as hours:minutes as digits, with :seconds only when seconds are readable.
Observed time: 6:48
